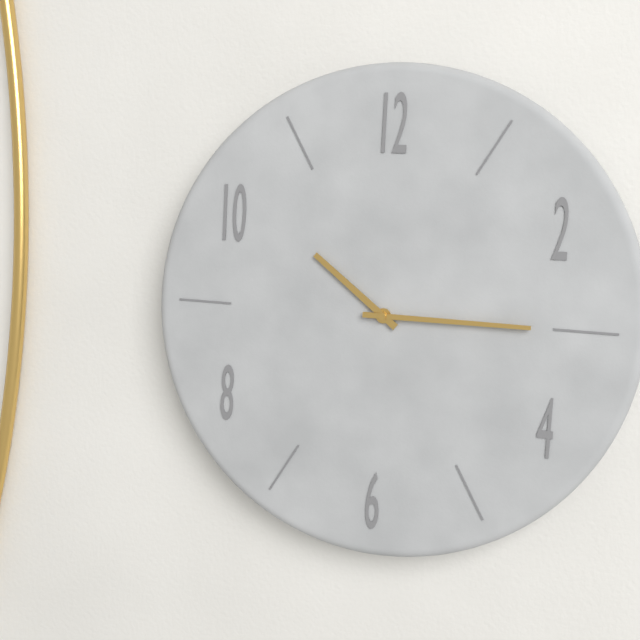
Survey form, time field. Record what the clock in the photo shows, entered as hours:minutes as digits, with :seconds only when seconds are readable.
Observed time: 10:15
